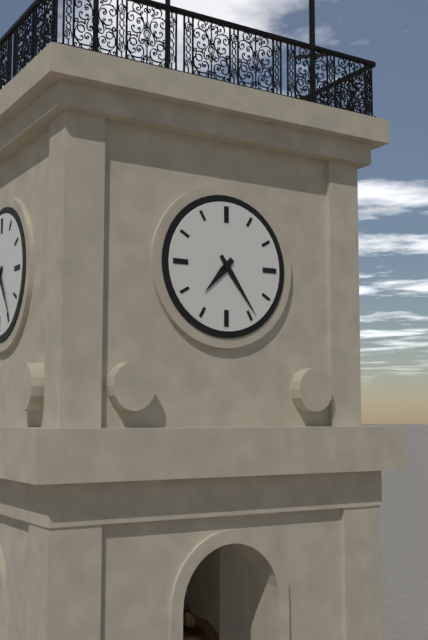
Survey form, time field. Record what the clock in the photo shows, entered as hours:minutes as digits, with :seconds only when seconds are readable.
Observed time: 7:24
